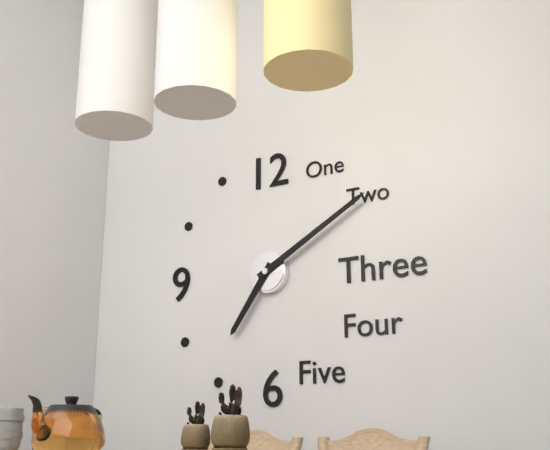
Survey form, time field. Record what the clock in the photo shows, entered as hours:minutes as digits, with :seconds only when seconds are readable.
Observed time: 7:10
